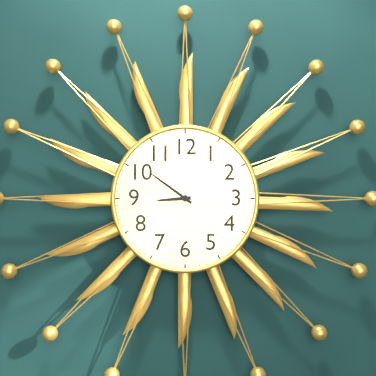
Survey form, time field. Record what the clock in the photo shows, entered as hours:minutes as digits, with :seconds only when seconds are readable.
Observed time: 8:51
